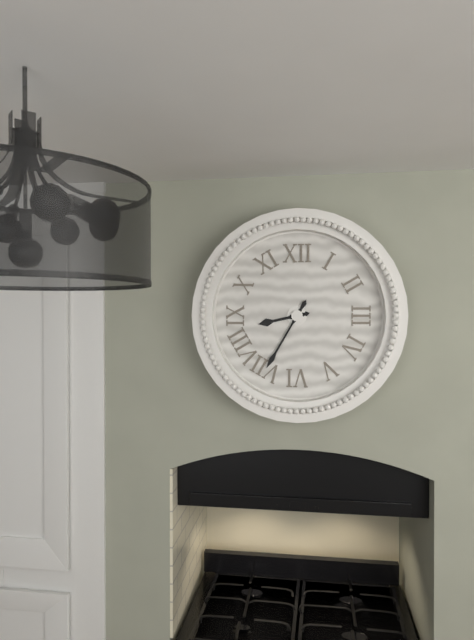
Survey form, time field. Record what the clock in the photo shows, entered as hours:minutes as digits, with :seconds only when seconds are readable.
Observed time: 8:35
